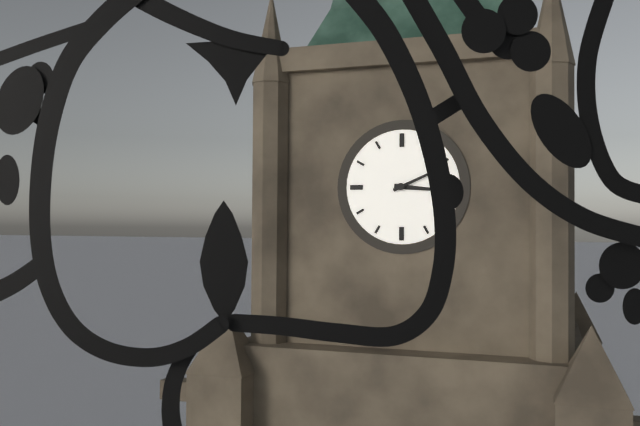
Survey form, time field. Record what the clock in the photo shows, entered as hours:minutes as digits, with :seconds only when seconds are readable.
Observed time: 3:11
